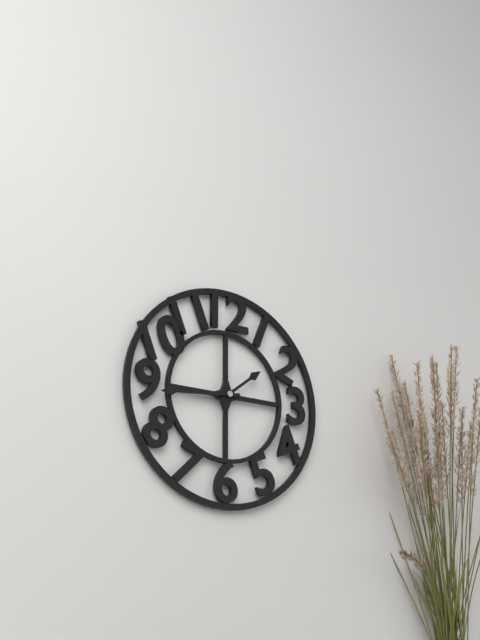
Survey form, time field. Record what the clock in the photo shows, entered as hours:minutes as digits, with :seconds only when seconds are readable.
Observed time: 1:44
